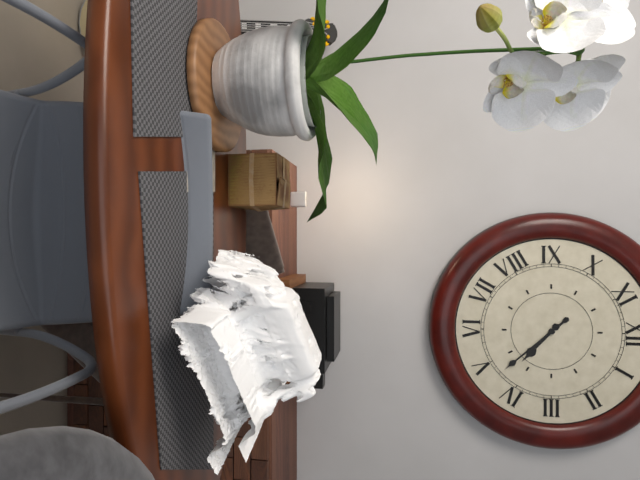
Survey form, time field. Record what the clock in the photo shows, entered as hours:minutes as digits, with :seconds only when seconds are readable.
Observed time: 4:23
